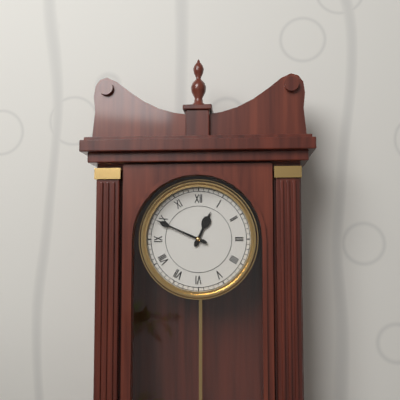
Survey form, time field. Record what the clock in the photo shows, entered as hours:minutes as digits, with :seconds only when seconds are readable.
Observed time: 12:49
